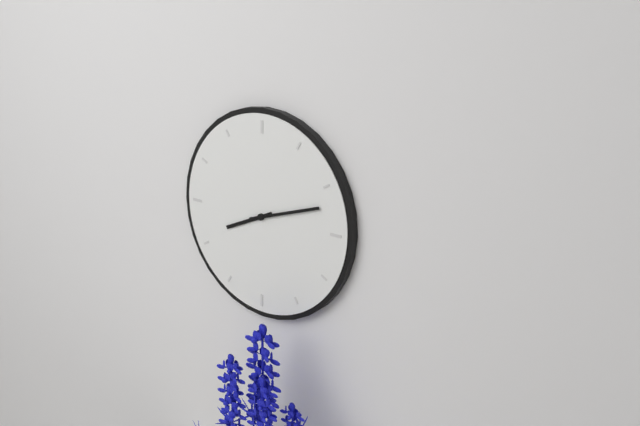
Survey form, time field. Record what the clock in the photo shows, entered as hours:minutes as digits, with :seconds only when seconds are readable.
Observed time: 8:12
